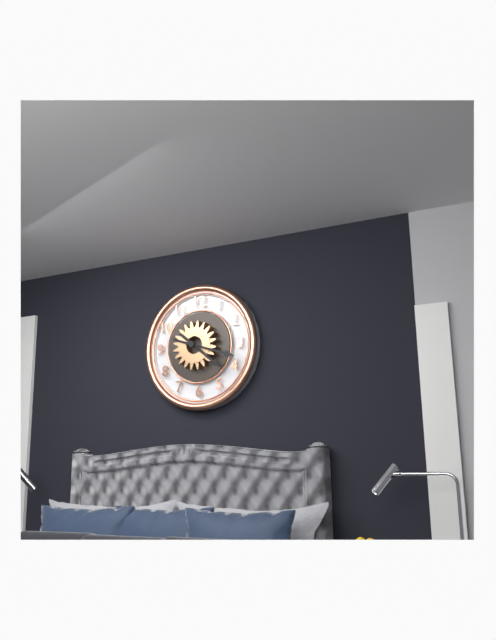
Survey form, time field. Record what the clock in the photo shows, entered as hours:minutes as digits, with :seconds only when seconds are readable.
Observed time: 4:18
